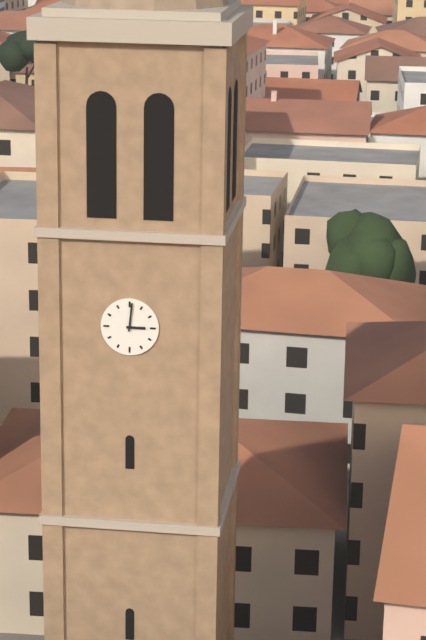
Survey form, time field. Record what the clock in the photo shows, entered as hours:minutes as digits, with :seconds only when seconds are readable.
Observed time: 3:01
